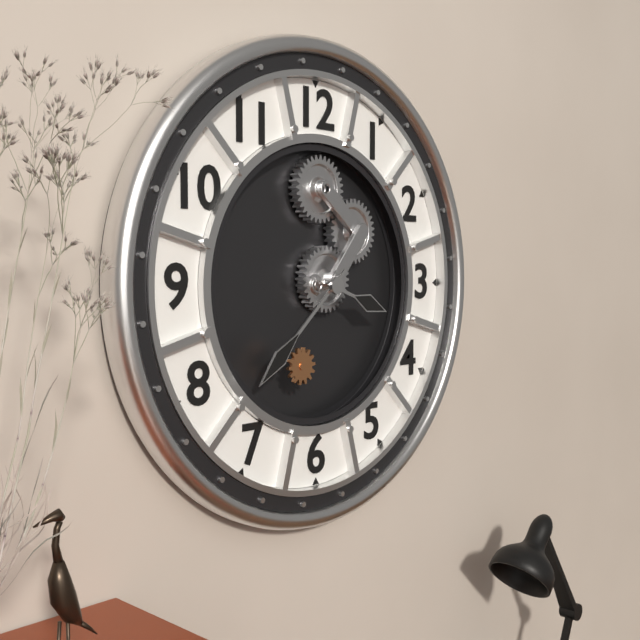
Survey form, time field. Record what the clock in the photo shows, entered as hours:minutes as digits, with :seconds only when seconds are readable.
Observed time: 3:38
